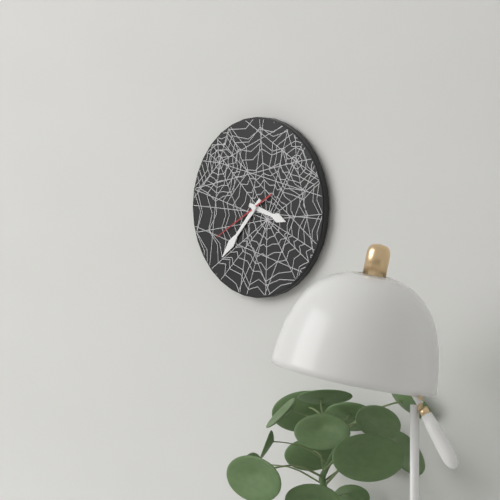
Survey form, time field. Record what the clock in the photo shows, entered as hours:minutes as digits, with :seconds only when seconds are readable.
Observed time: 3:37:40
